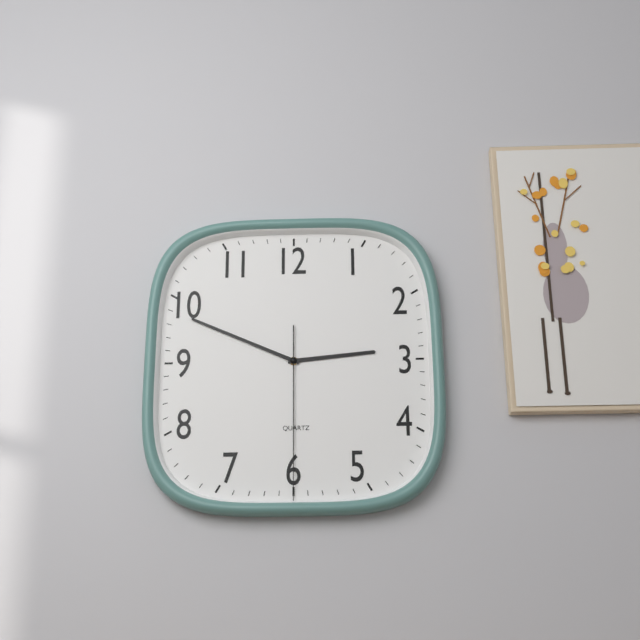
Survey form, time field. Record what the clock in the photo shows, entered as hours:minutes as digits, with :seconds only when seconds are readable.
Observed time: 2:49:30
